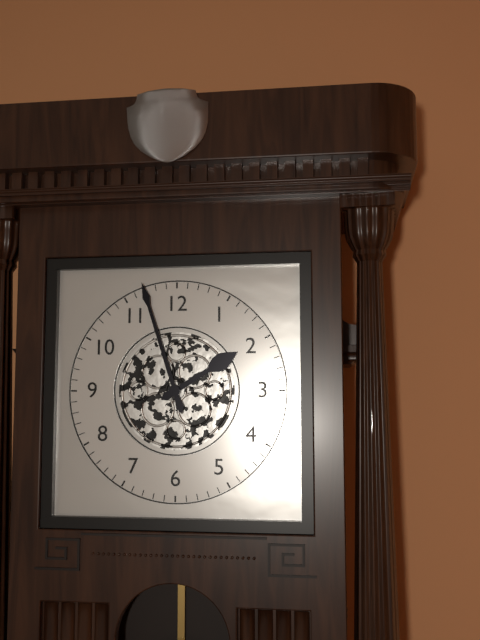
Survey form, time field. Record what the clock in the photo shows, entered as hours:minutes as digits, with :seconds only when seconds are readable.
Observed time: 1:57
